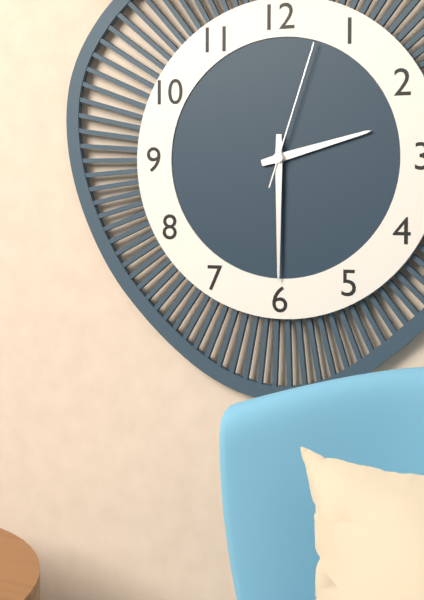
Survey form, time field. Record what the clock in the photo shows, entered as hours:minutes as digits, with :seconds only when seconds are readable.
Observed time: 2:30:03
